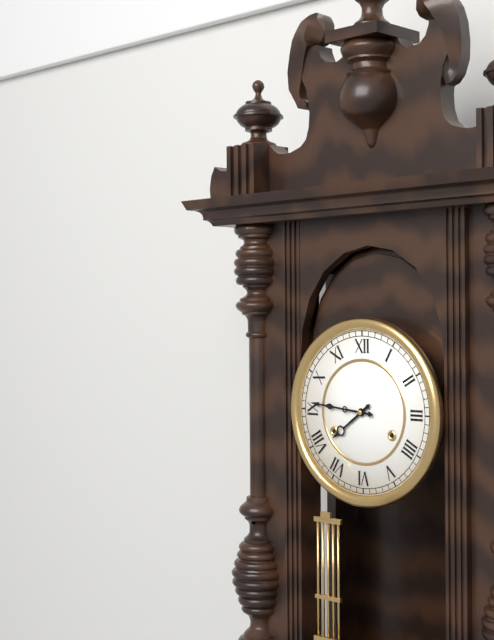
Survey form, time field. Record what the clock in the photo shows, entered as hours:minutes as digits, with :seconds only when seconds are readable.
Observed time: 7:46
